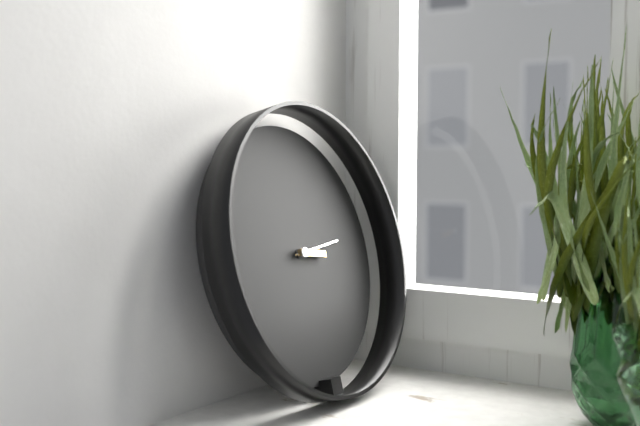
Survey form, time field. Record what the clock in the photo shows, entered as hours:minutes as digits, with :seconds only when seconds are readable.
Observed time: 3:14
